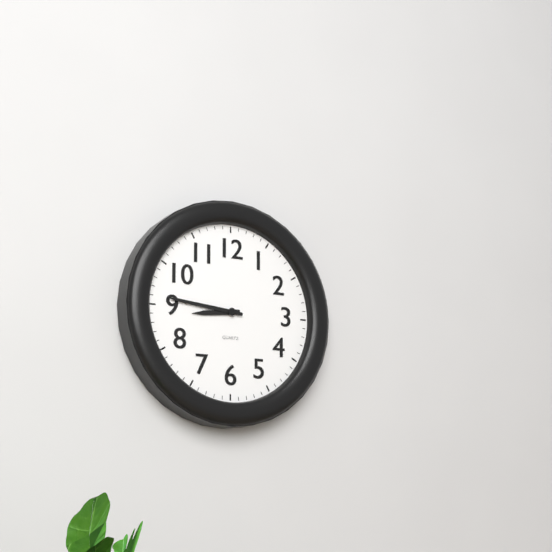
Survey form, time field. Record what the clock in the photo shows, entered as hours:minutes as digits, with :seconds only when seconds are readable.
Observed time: 8:46
